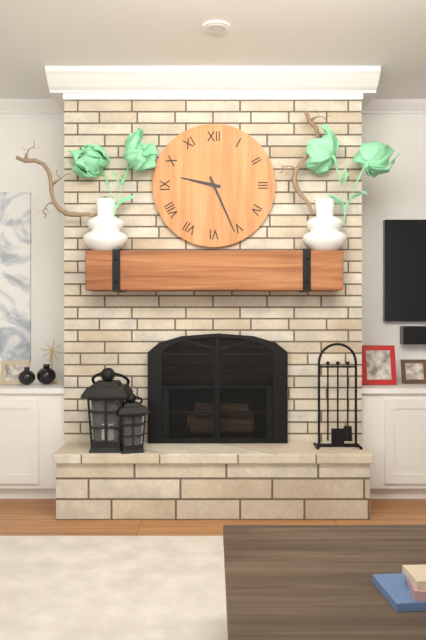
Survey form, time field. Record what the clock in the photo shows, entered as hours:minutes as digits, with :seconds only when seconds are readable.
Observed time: 9:26
